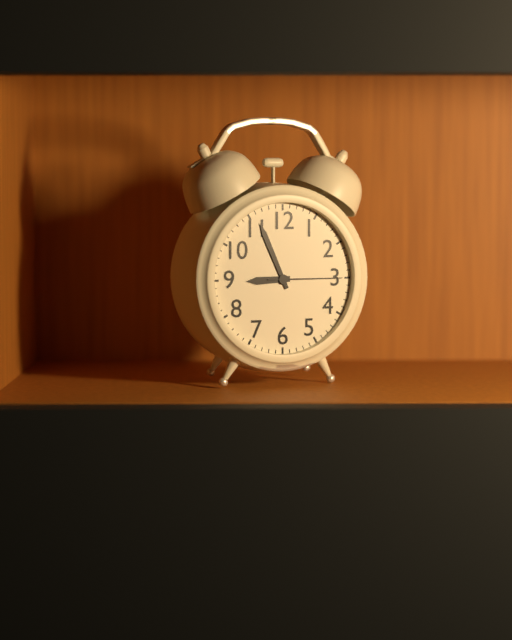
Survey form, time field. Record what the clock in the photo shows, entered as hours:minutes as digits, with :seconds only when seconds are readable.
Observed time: 8:56:15
